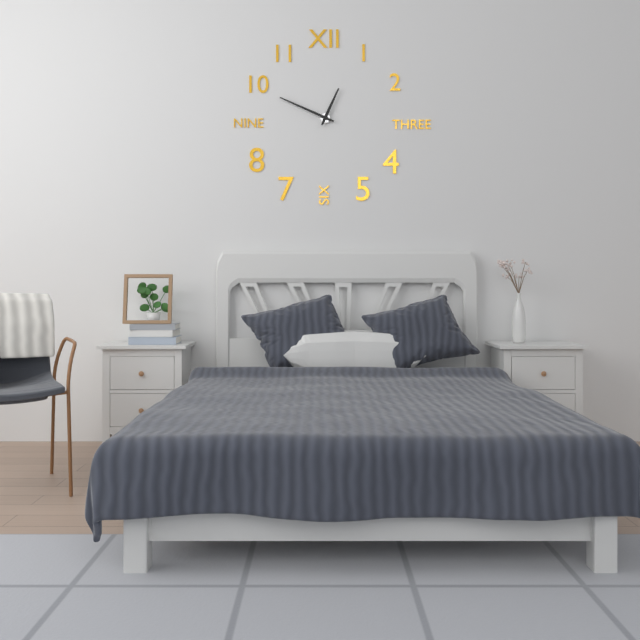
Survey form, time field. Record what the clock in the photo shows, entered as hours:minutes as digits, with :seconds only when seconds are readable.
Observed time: 12:49
